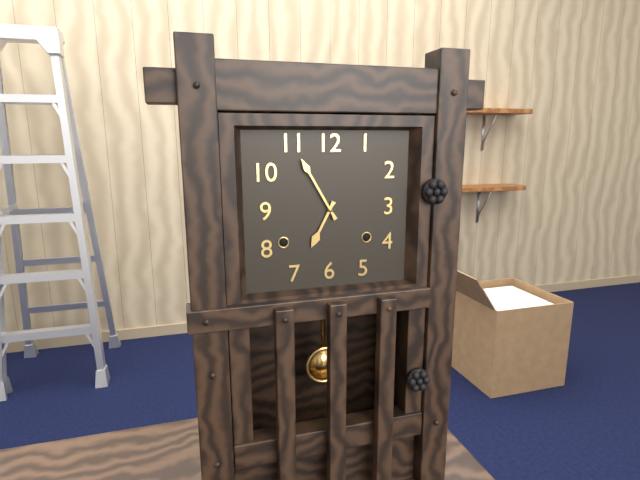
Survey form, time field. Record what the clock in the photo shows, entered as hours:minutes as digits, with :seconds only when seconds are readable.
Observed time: 6:55
